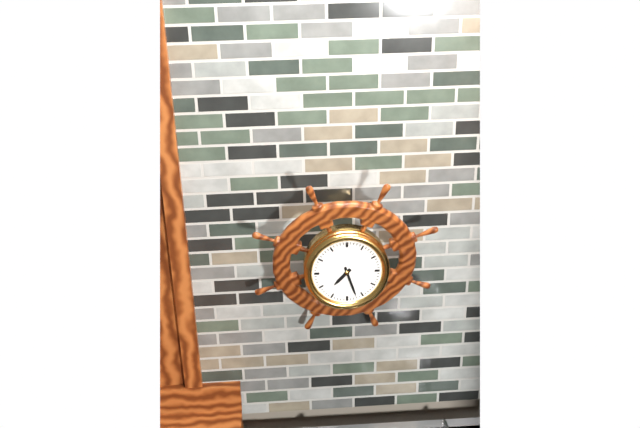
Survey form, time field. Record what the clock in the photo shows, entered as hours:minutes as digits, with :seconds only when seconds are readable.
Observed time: 7:27
